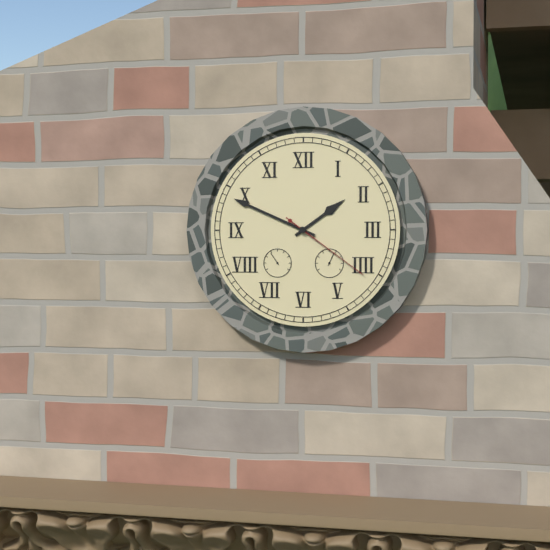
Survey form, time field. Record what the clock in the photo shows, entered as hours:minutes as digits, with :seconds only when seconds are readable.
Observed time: 1:49:21
